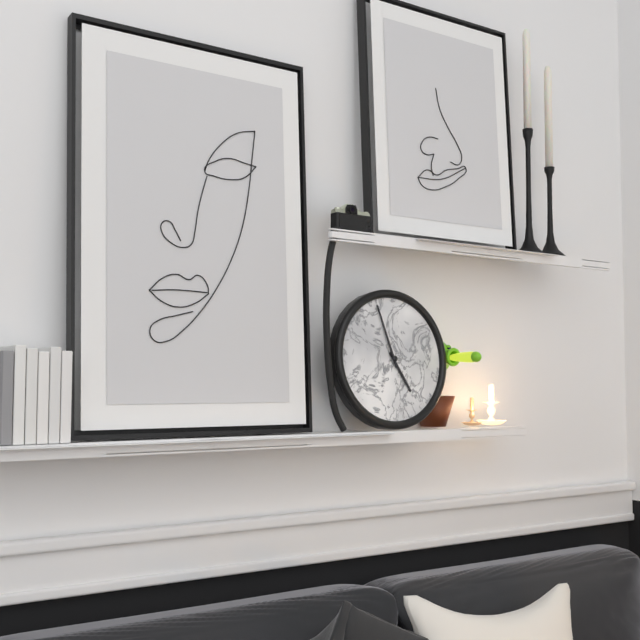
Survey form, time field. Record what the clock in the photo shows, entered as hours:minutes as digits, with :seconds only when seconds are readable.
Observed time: 4:57
